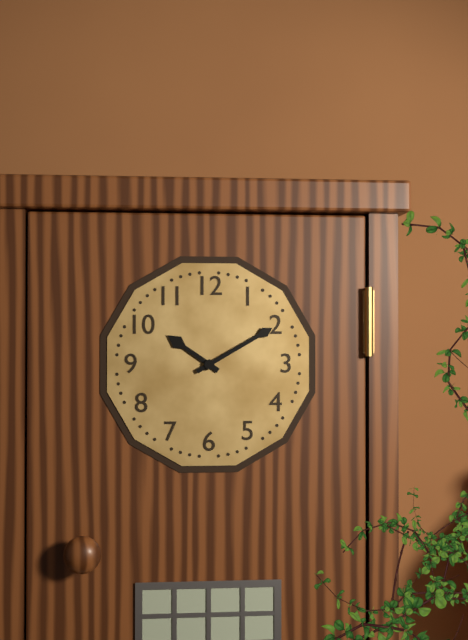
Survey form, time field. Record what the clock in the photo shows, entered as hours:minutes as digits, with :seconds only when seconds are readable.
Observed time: 10:10
